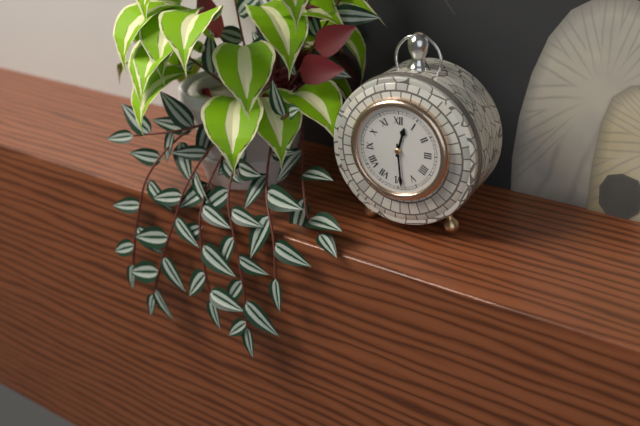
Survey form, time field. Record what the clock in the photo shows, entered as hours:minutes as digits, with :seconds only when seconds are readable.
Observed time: 12:29
